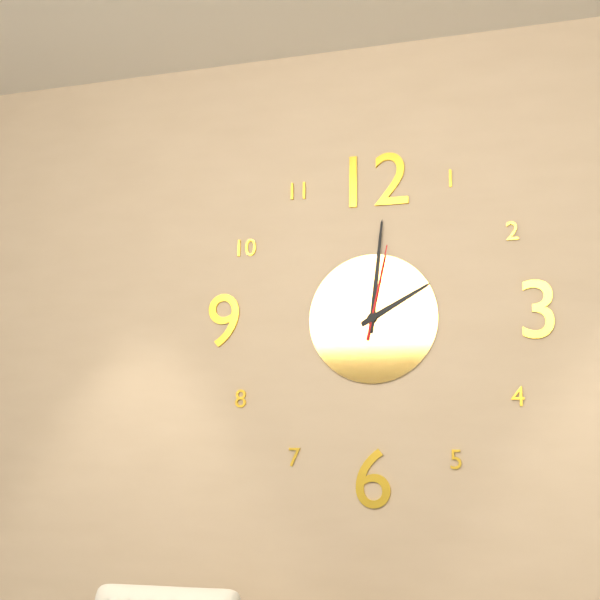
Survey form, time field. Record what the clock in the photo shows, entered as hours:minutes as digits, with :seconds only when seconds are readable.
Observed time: 2:01:02
